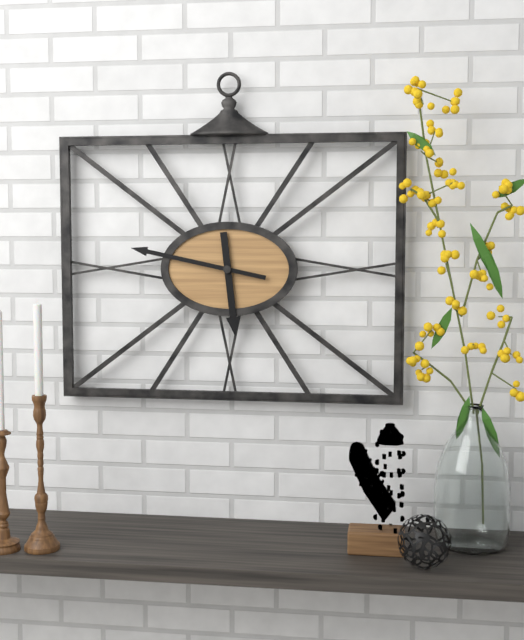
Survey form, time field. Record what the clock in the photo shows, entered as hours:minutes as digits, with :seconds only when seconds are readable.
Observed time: 5:47
